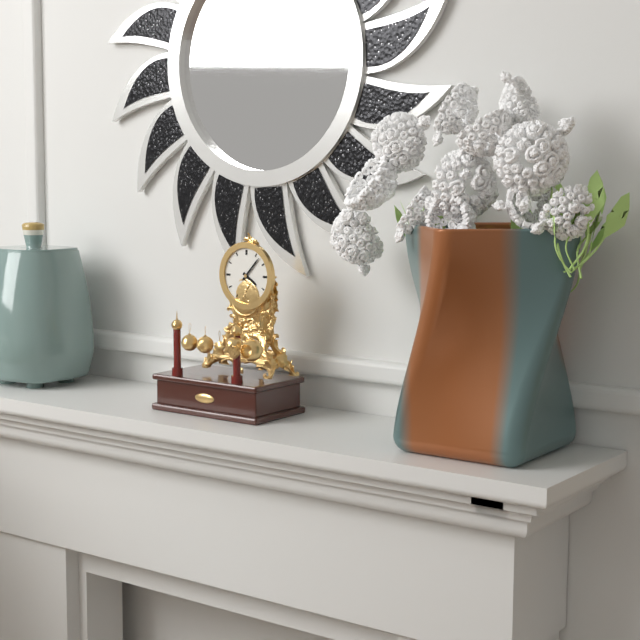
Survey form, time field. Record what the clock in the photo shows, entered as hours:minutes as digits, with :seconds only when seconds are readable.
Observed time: 4:07
